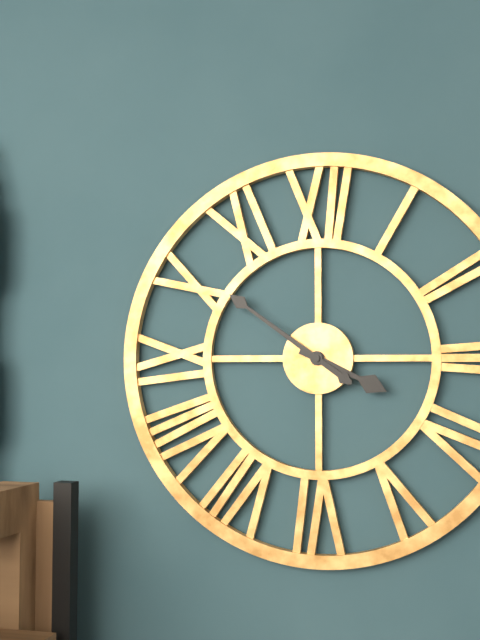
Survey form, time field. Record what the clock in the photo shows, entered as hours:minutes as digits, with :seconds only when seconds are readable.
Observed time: 3:51
